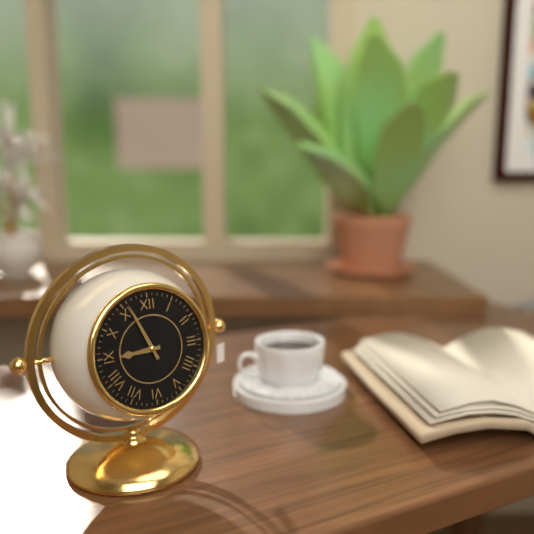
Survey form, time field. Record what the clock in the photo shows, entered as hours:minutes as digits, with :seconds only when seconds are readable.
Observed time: 8:56
